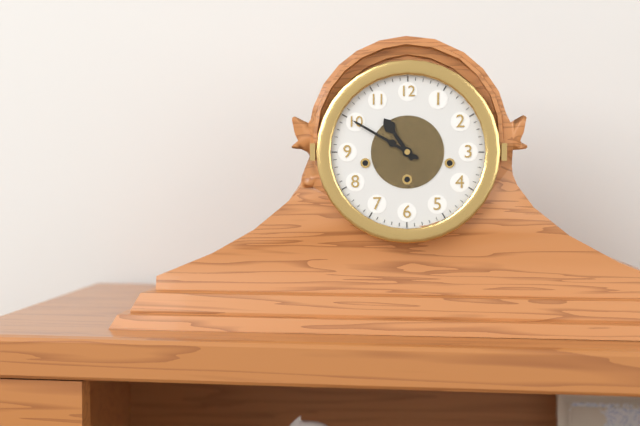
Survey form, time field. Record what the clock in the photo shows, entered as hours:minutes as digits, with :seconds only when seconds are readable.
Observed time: 10:50
